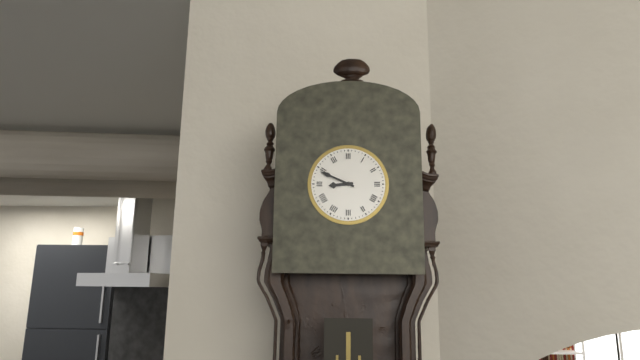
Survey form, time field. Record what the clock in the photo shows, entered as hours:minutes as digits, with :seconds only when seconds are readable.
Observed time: 8:49
